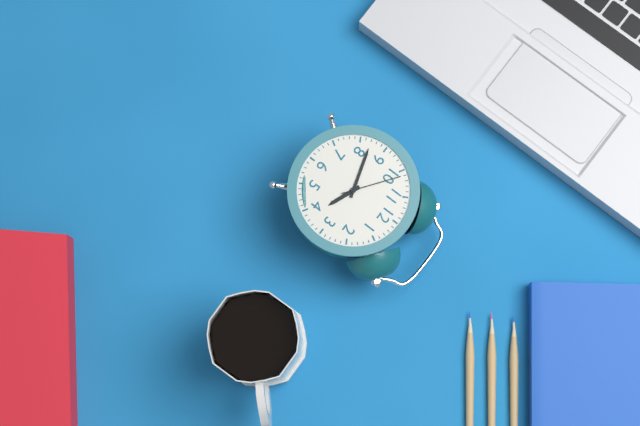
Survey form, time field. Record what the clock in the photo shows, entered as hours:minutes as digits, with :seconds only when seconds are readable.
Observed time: 3:42:51
